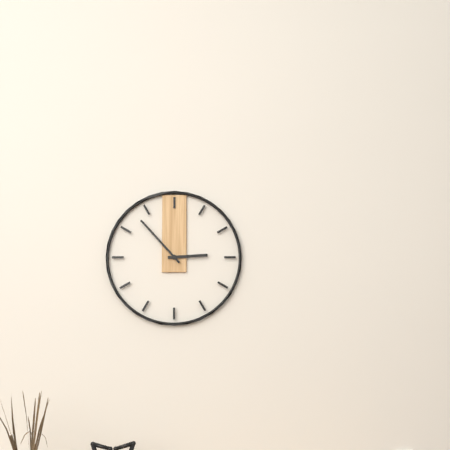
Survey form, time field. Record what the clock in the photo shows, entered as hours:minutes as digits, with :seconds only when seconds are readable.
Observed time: 2:53
